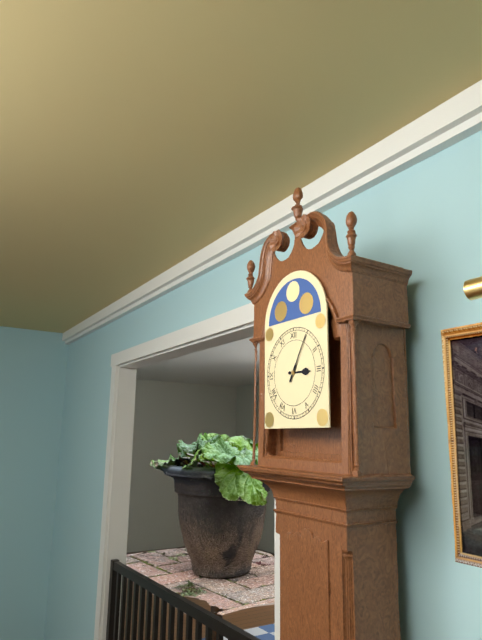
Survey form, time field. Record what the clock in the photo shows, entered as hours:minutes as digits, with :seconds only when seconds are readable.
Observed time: 3:05
